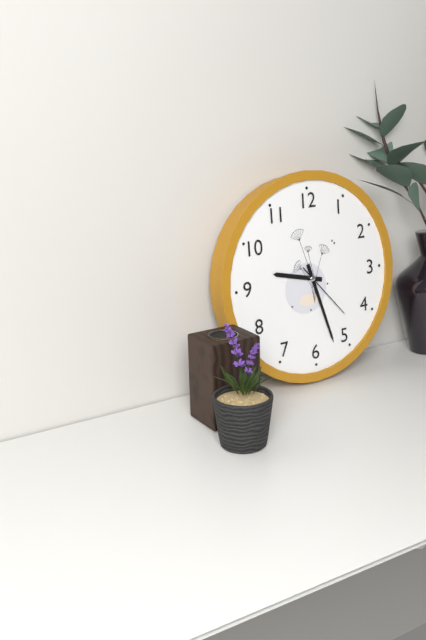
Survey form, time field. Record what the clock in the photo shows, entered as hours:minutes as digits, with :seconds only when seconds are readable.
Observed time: 9:27:23
